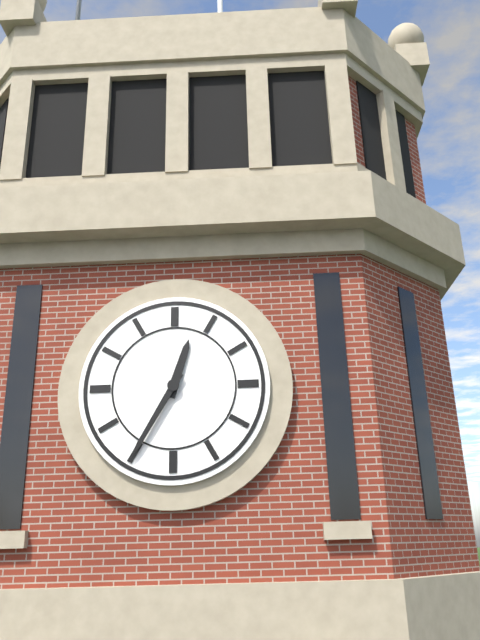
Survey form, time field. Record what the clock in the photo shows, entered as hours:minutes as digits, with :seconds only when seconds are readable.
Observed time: 12:35
